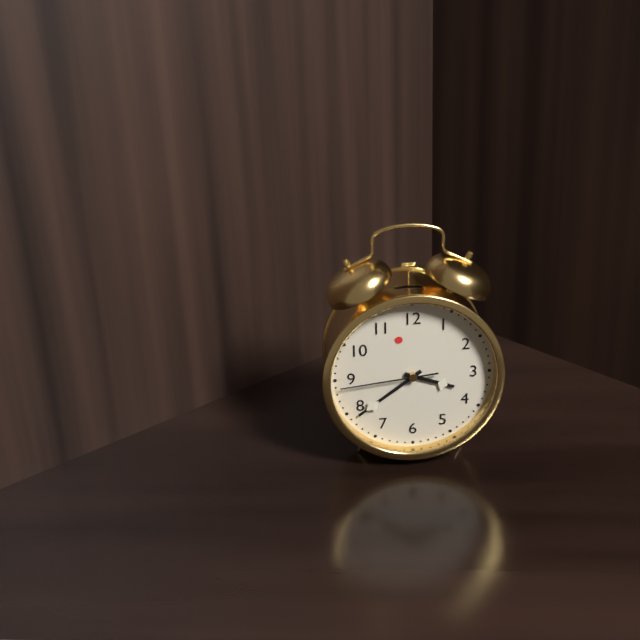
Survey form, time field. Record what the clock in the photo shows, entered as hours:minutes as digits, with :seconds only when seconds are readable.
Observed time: 3:39:44
